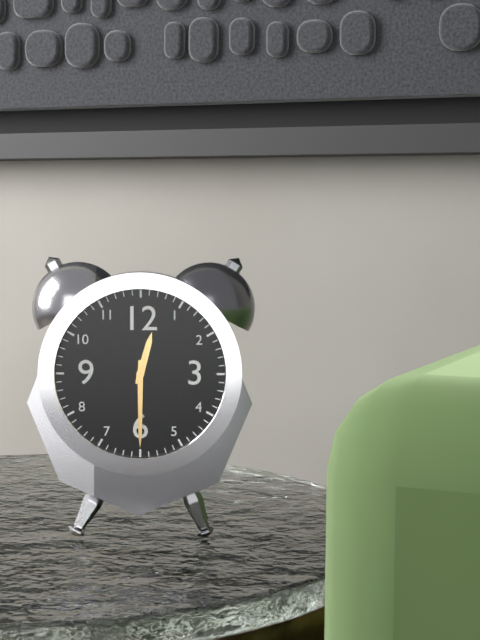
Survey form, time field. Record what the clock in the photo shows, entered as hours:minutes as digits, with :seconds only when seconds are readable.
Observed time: 12:30
